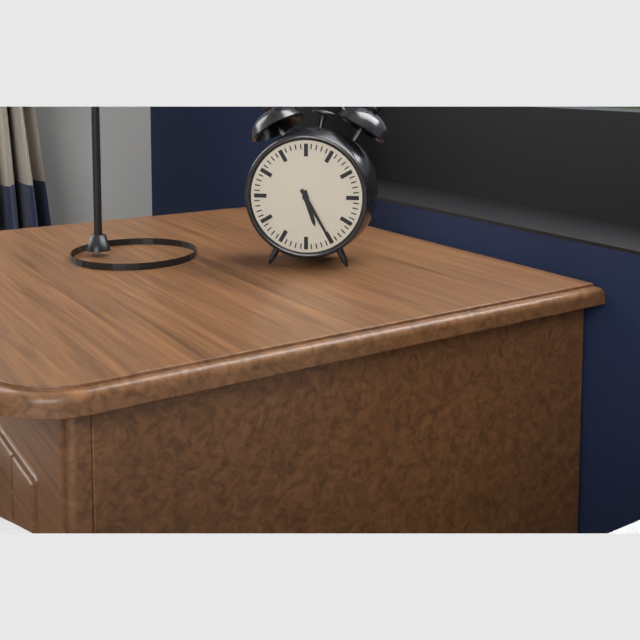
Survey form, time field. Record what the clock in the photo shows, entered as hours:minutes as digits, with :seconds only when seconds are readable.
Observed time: 5:25
